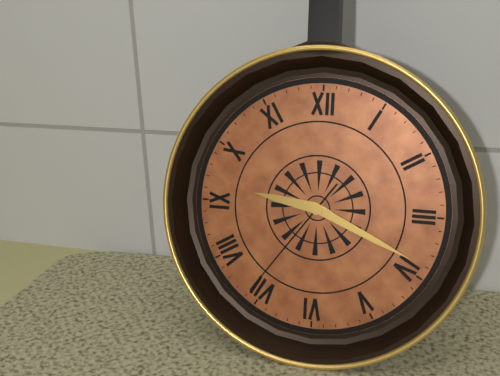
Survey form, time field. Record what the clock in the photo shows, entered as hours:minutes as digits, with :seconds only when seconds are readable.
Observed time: 9:19:36
